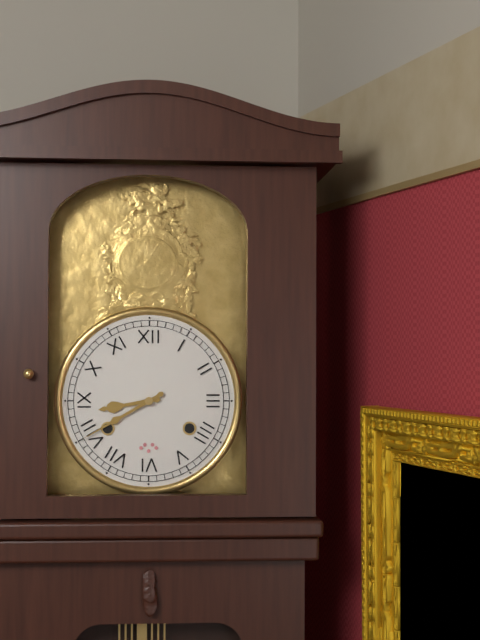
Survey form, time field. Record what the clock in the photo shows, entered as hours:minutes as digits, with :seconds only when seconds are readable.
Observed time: 8:40
